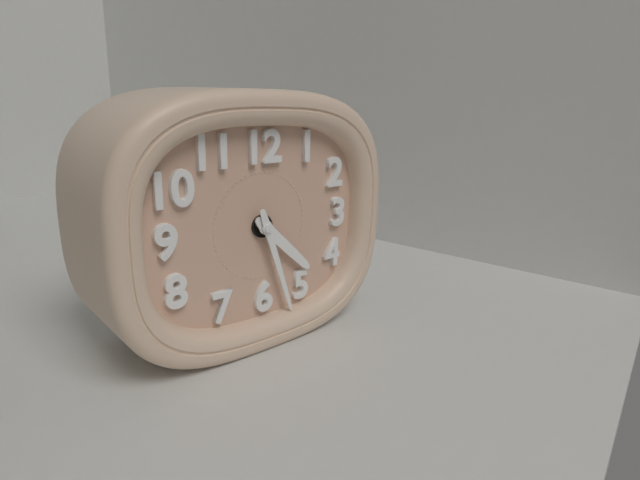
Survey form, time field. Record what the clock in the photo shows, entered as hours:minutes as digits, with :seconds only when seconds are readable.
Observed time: 4:27
